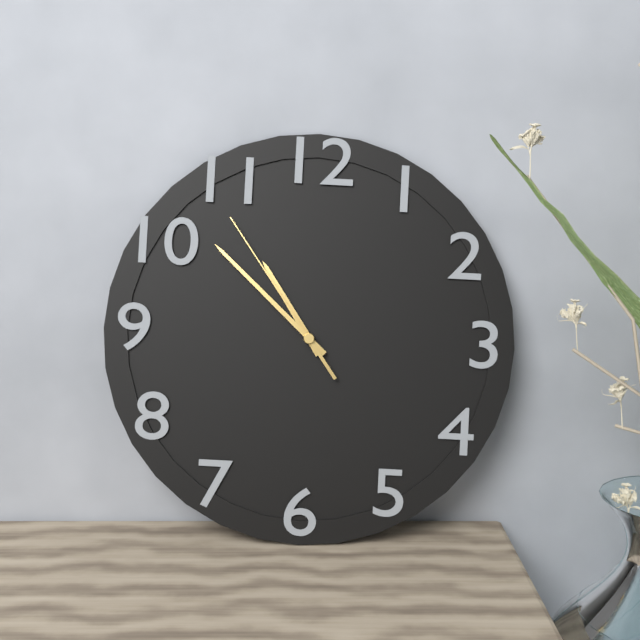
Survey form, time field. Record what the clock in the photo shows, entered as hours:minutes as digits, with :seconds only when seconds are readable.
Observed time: 10:52:54
